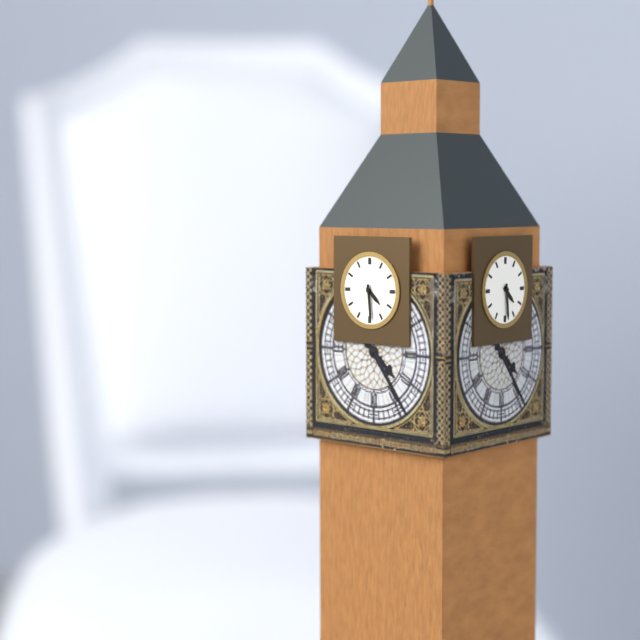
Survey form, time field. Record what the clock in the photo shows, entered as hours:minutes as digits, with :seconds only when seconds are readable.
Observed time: 4:29
